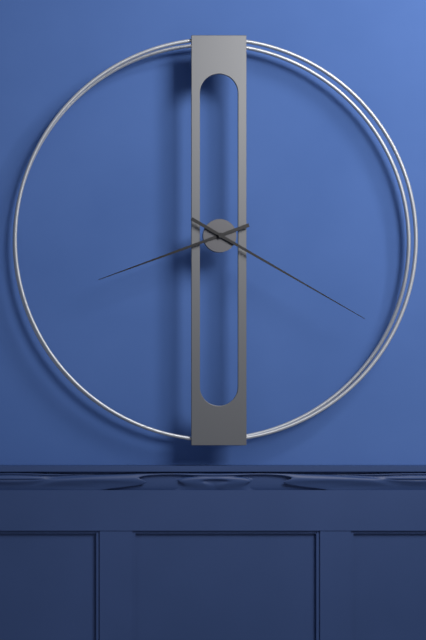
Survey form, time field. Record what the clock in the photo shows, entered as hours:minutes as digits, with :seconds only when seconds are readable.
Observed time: 8:20
